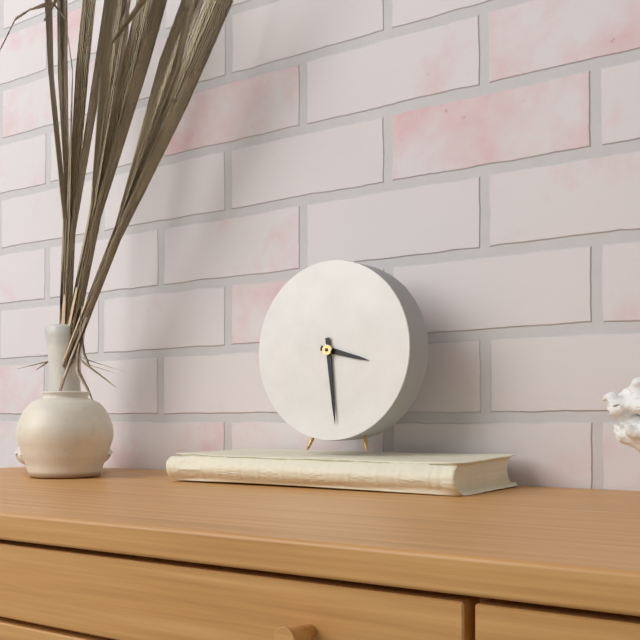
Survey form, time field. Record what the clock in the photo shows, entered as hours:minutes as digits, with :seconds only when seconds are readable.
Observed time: 3:29
